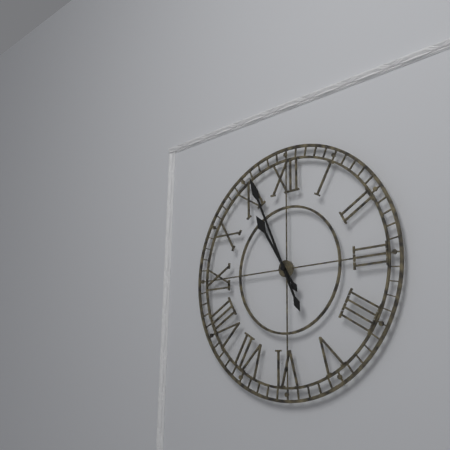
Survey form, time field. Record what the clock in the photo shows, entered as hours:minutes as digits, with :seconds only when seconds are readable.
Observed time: 10:56
